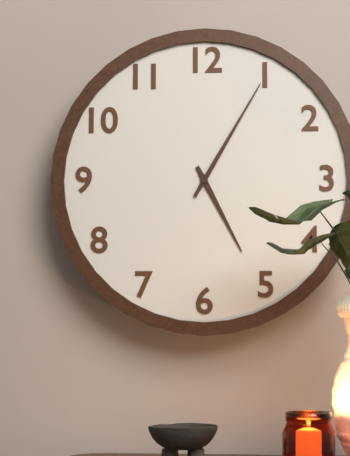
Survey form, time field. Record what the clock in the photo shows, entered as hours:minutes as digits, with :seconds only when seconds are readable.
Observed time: 5:05
